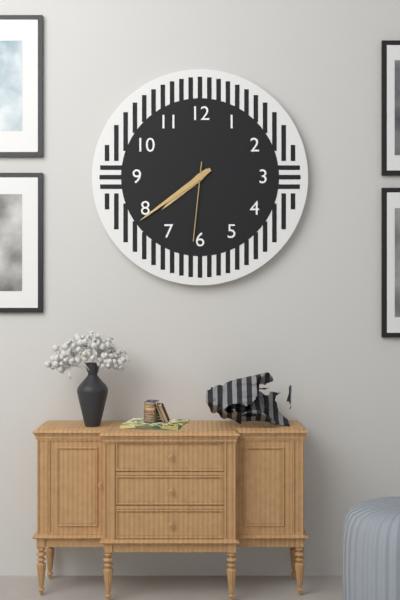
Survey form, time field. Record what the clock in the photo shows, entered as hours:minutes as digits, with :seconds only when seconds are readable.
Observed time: 7:39:31
